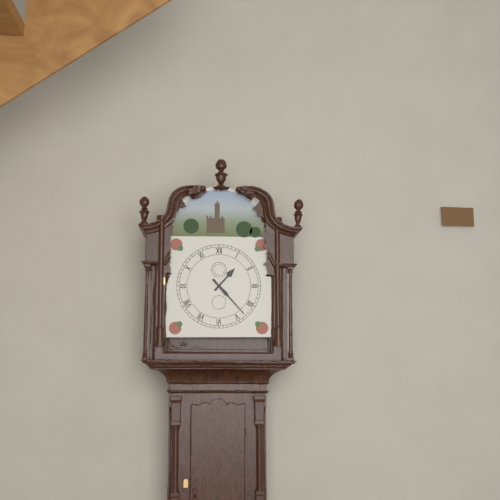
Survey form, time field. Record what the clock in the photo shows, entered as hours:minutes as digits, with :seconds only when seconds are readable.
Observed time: 1:23
